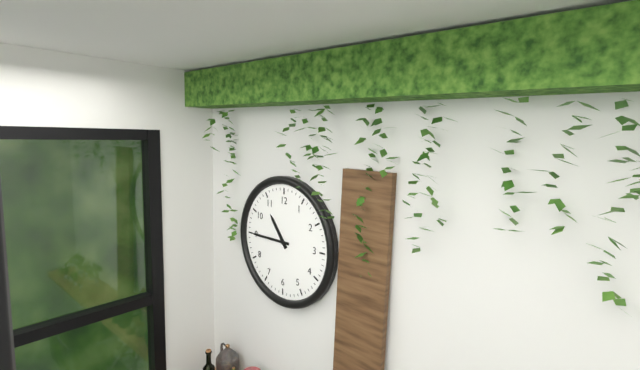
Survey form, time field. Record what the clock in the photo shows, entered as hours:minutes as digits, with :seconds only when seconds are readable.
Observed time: 10:45
